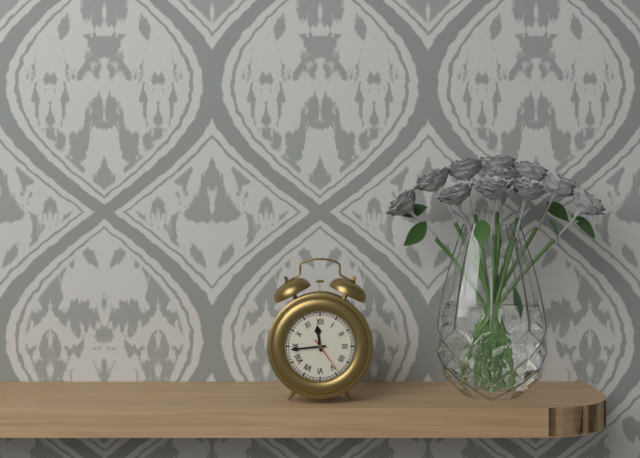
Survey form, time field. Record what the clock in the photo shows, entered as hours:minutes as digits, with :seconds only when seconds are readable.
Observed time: 11:44
